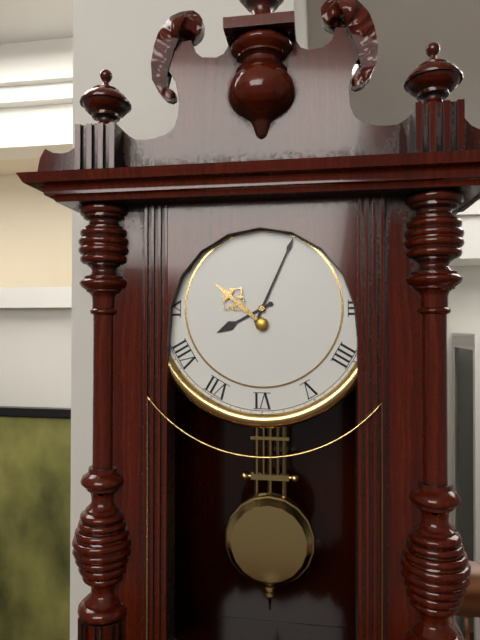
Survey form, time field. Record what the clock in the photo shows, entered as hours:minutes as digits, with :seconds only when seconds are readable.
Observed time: 8:04
